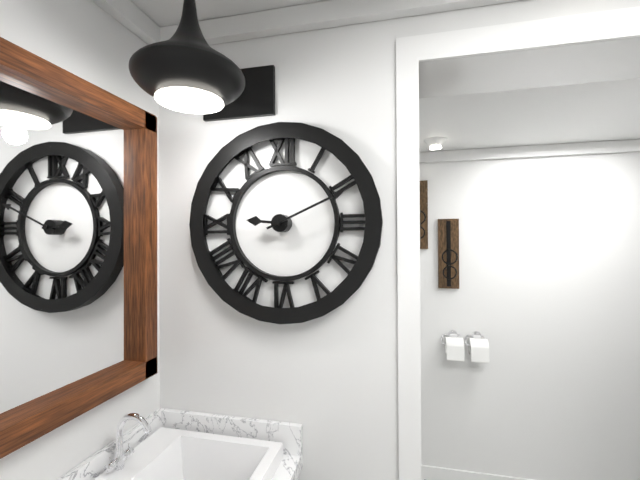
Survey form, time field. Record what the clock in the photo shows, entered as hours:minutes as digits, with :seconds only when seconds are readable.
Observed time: 9:11
